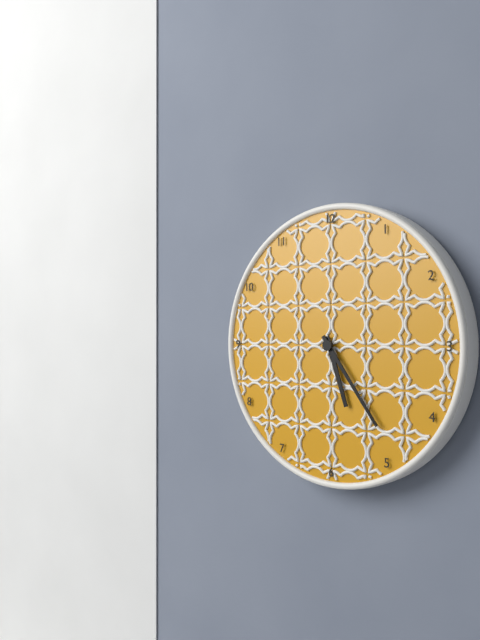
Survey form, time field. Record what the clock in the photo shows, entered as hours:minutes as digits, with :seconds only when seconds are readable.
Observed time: 5:24
